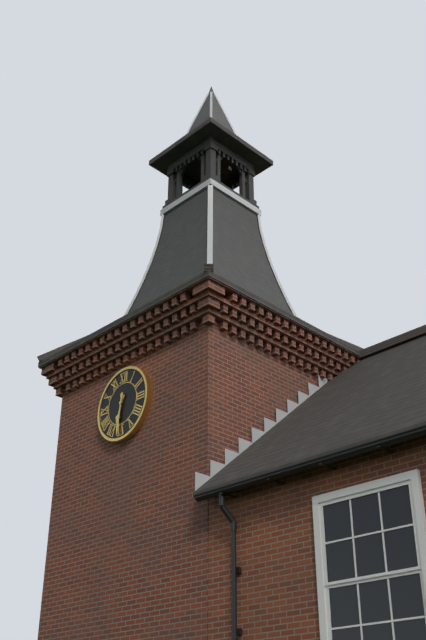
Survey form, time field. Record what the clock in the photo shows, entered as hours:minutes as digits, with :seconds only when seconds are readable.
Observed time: 6:31
